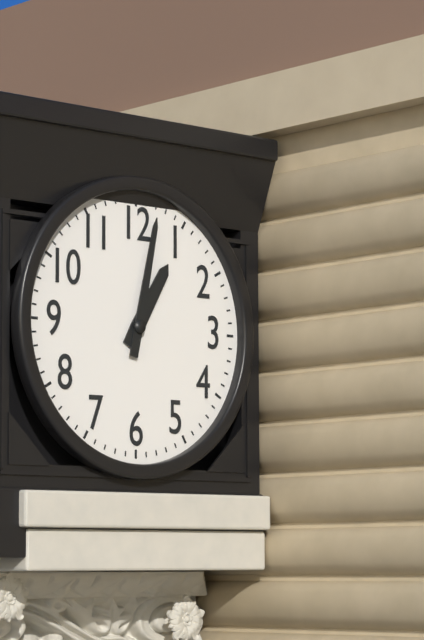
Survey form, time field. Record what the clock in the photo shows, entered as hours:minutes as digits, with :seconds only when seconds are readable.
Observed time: 1:02
